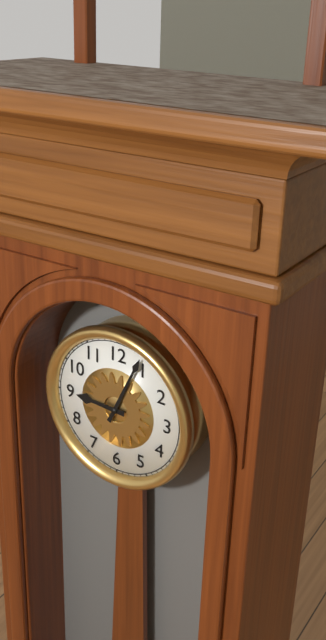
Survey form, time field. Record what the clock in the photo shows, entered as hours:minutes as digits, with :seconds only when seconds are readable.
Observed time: 9:04
